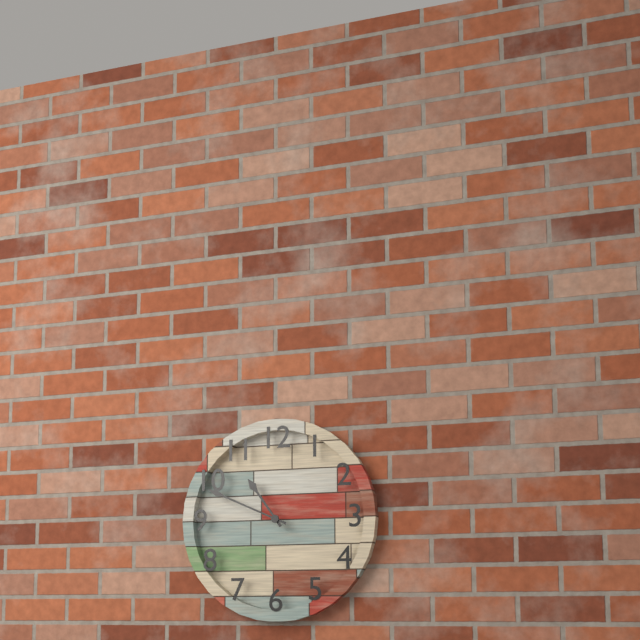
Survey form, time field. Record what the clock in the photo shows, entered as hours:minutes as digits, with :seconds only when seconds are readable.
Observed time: 10:49
